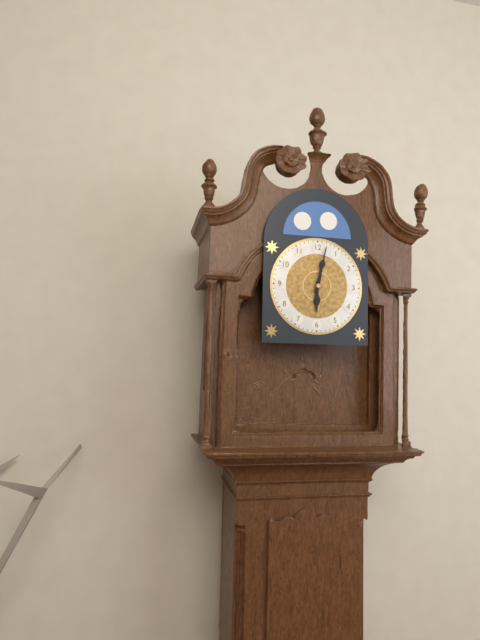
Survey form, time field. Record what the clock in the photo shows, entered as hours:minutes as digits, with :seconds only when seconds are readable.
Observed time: 6:02
